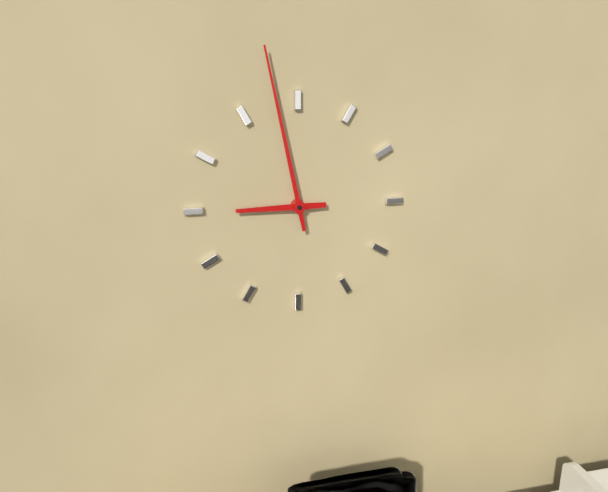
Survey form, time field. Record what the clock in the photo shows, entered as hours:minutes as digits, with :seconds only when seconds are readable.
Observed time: 8:58
